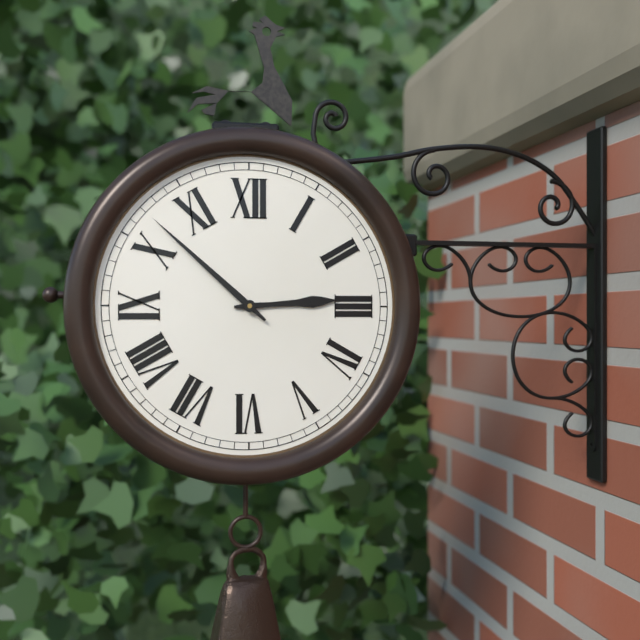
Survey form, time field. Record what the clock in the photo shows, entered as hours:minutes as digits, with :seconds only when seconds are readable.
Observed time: 2:52
